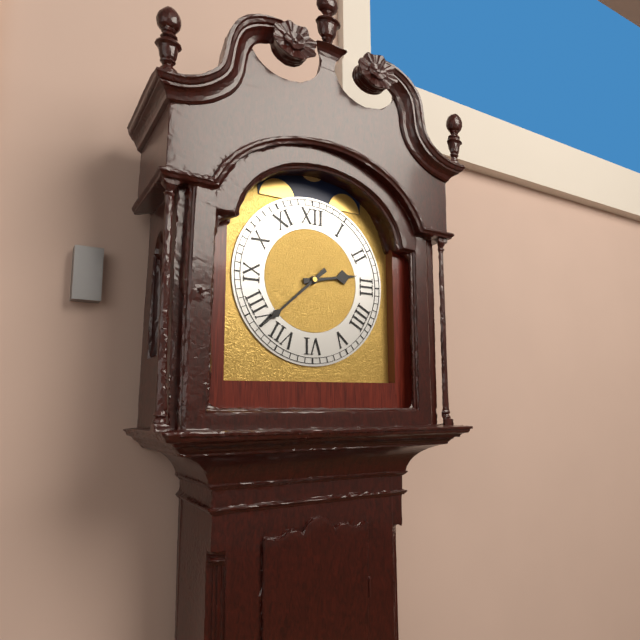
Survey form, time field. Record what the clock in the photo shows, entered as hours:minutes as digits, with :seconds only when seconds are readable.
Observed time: 2:38
